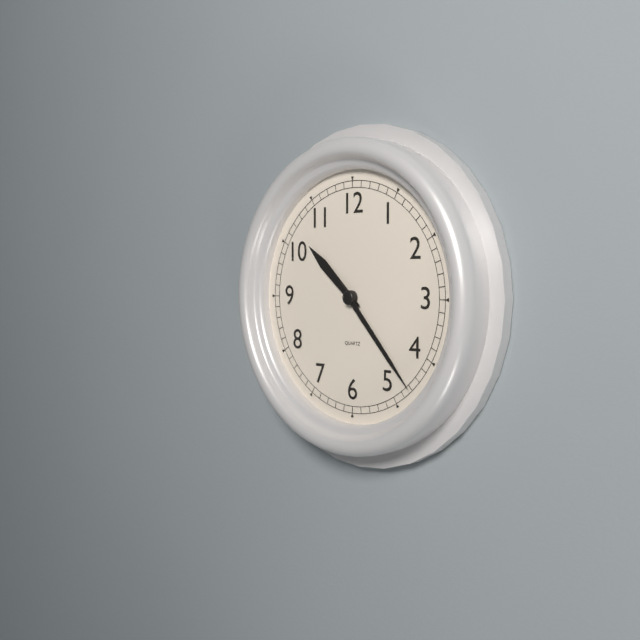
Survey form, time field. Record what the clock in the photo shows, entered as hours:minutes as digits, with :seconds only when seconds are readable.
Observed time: 10:23
